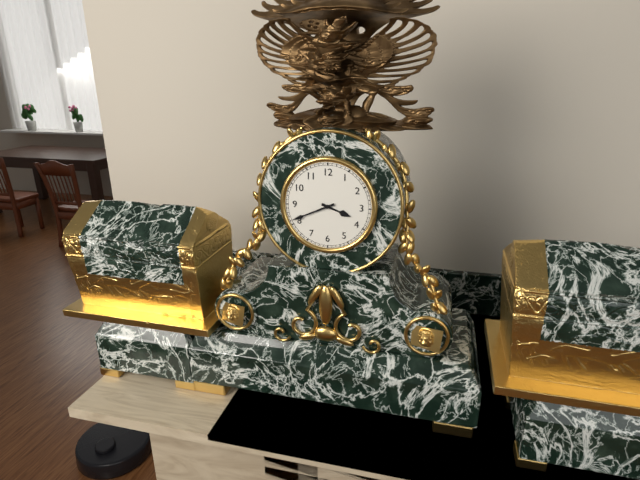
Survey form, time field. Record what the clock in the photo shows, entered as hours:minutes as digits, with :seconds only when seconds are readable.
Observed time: 3:41
